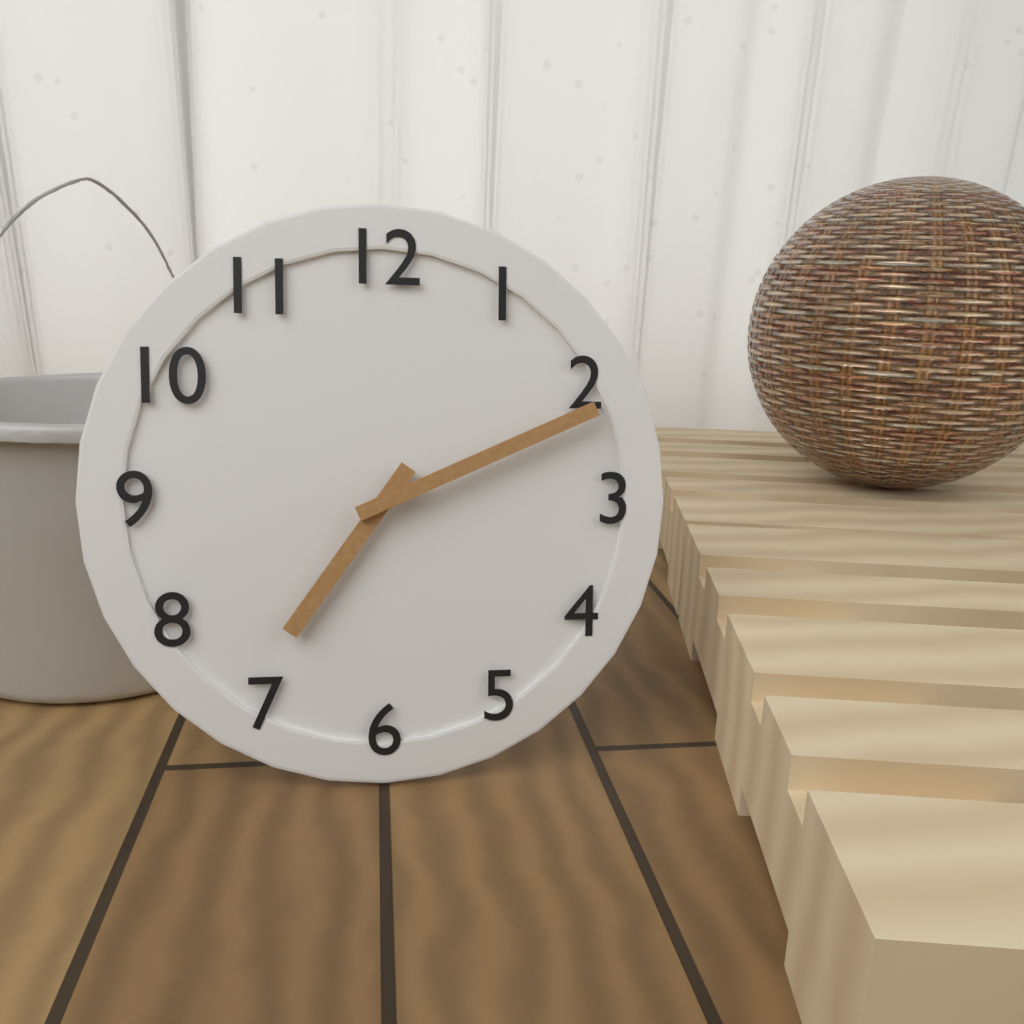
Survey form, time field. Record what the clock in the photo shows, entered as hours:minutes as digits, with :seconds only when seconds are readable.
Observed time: 7:11
